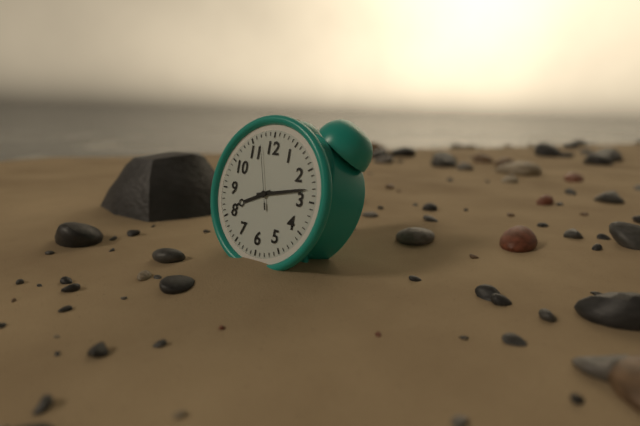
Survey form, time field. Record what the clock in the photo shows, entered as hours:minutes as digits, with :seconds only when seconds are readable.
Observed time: 8:13:57
